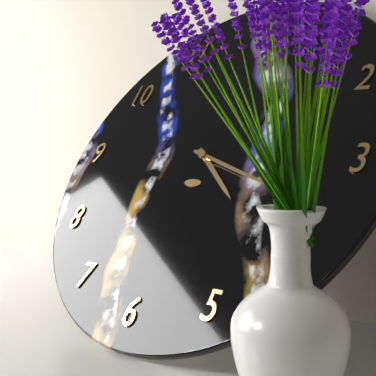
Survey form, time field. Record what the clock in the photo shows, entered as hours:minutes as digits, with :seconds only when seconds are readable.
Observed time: 4:18
